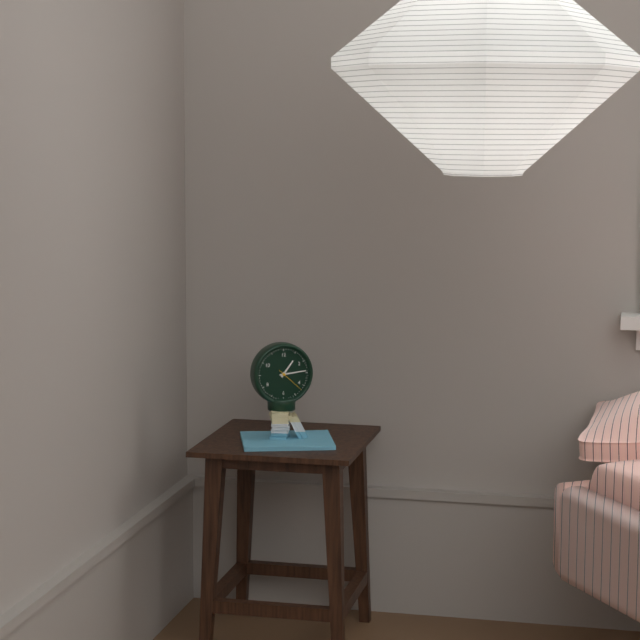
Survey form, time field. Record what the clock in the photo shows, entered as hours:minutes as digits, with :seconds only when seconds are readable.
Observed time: 1:14
